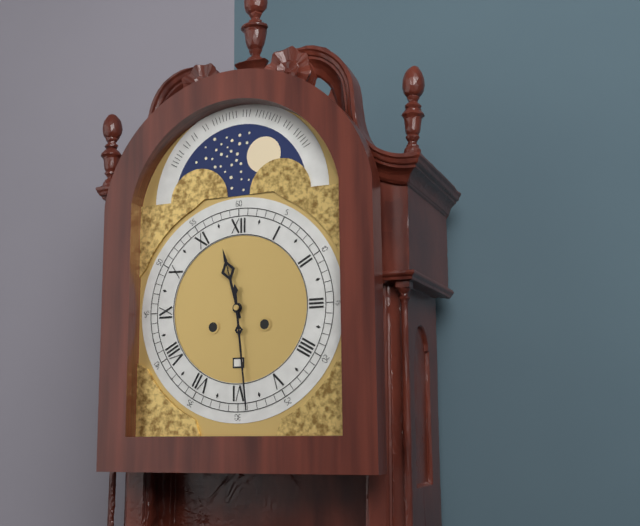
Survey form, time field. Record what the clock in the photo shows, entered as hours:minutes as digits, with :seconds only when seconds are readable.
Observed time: 11:29
